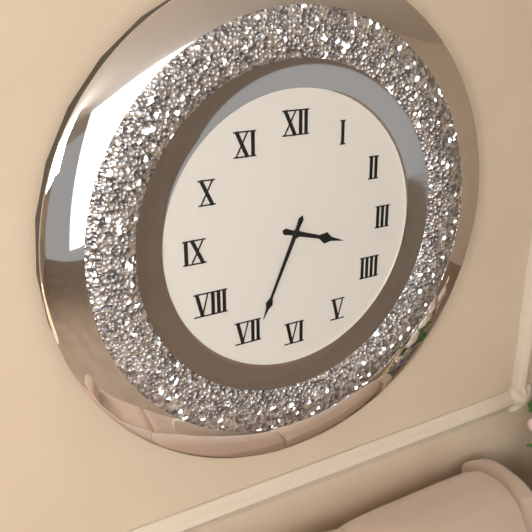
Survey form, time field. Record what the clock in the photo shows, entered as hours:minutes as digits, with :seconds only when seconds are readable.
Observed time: 3:34
